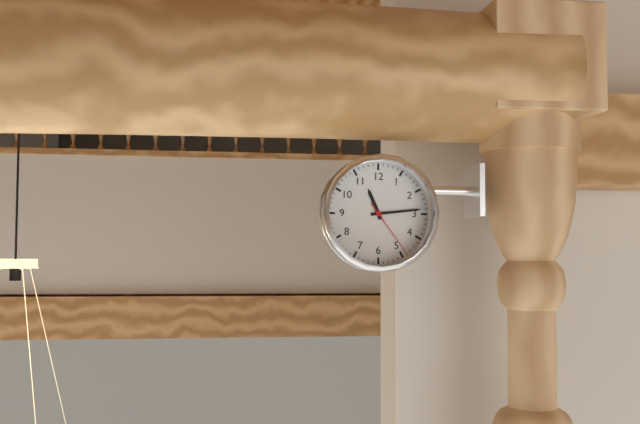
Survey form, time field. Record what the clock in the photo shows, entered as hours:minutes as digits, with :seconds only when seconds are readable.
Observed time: 11:14:24
